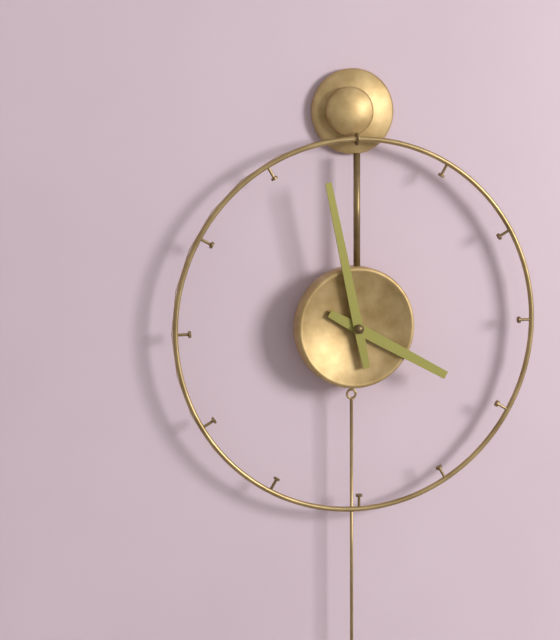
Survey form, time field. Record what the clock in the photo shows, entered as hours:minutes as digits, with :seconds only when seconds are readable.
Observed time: 3:58
